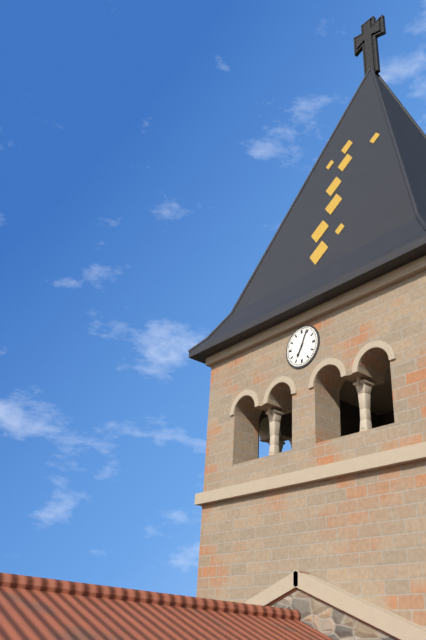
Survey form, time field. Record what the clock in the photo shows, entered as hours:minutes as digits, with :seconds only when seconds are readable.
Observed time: 7:04
